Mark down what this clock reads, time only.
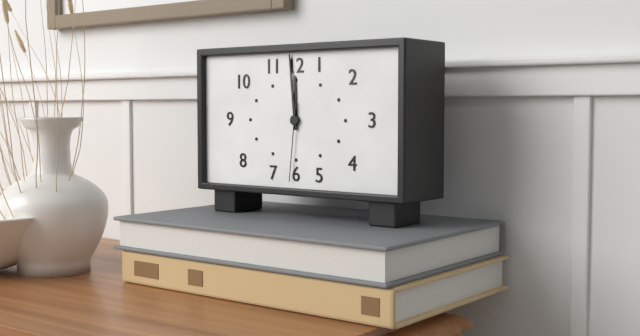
11:59:31
